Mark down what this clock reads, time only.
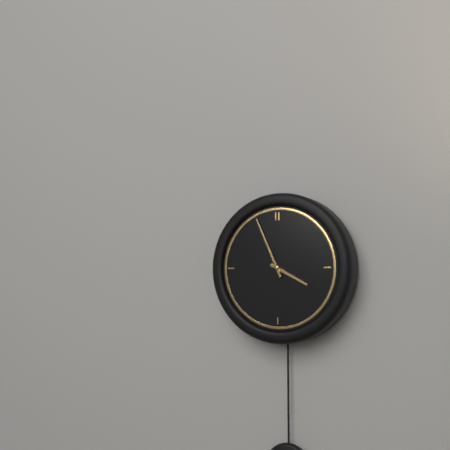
3:56
